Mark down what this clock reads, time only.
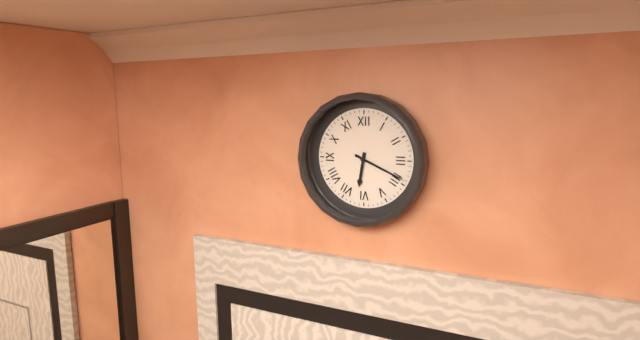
6:19
